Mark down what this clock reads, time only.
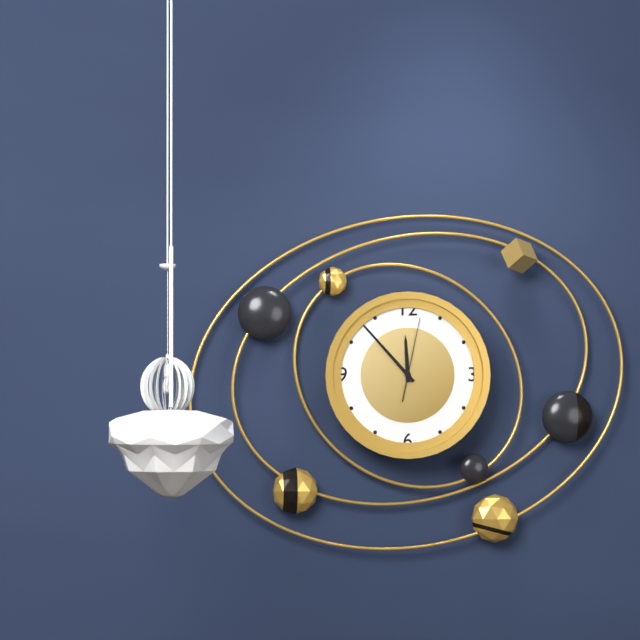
11:53:02
